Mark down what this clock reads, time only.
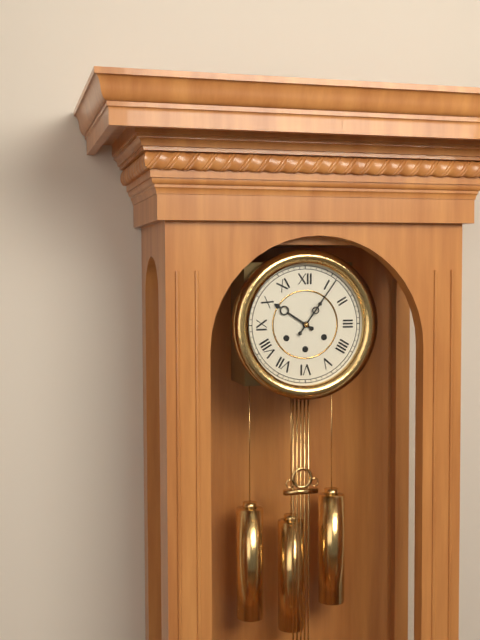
10:06
